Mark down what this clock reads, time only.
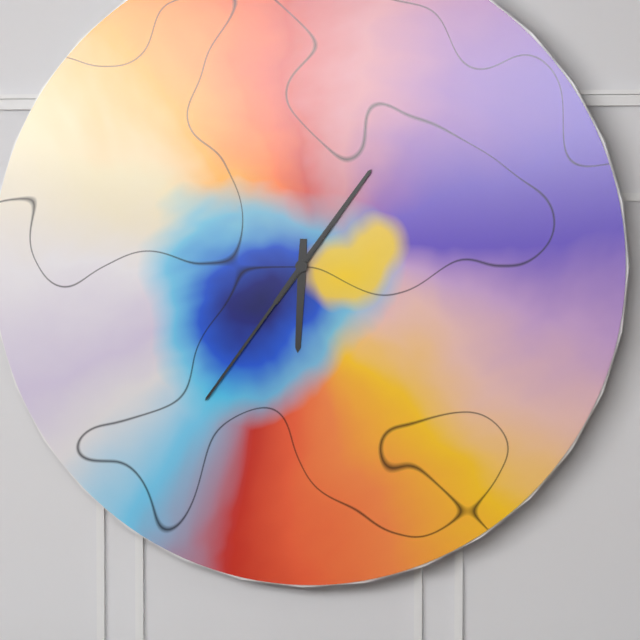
6:06:36
